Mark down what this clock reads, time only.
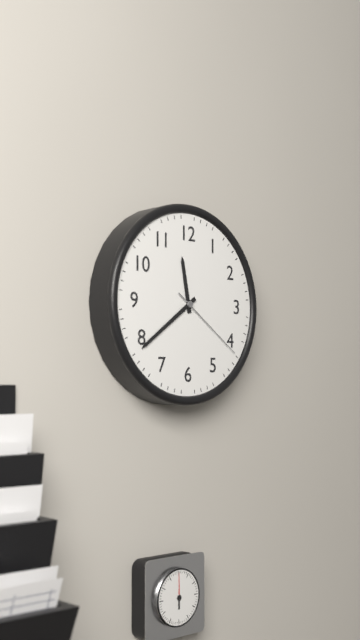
11:39:21
